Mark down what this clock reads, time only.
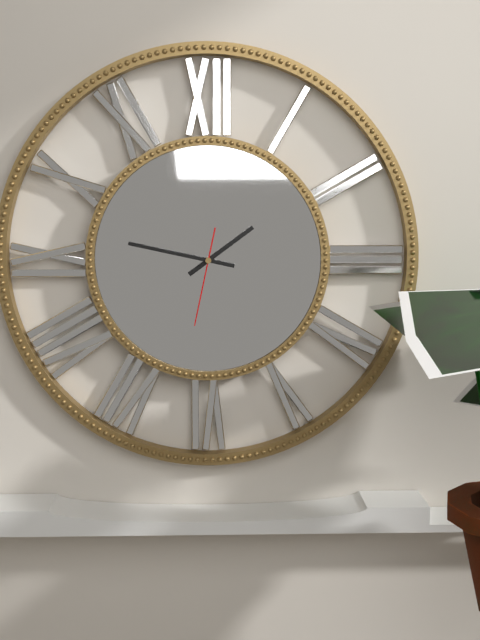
1:47:32
